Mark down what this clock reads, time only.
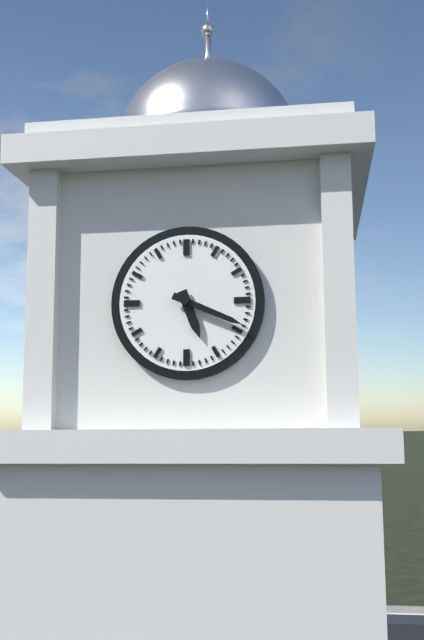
5:19
